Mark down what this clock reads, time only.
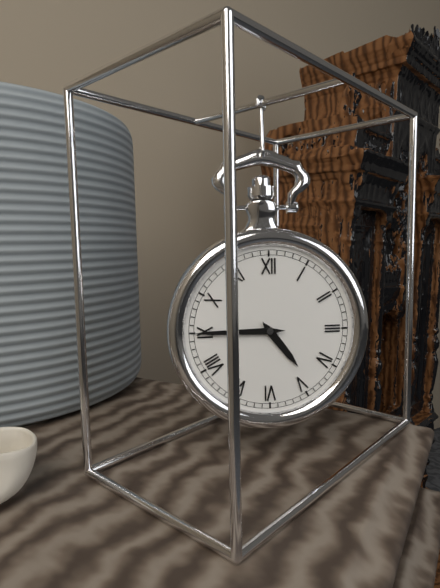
4:45
